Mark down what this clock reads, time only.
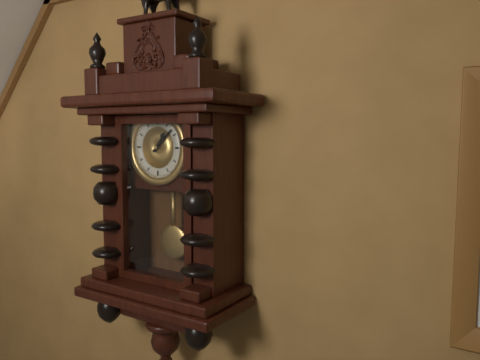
1:08
